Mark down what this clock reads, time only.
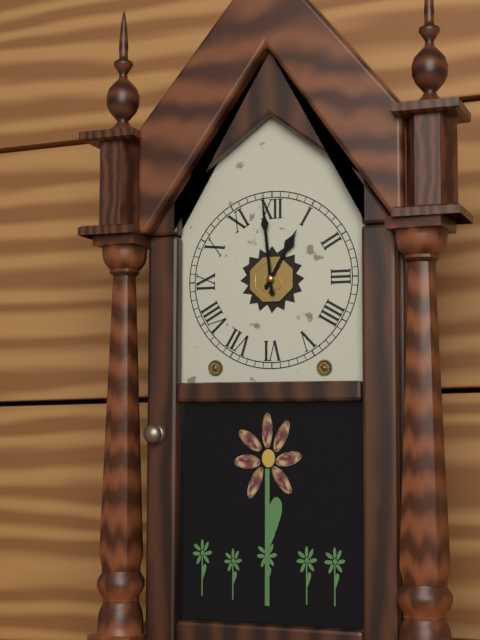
12:59
